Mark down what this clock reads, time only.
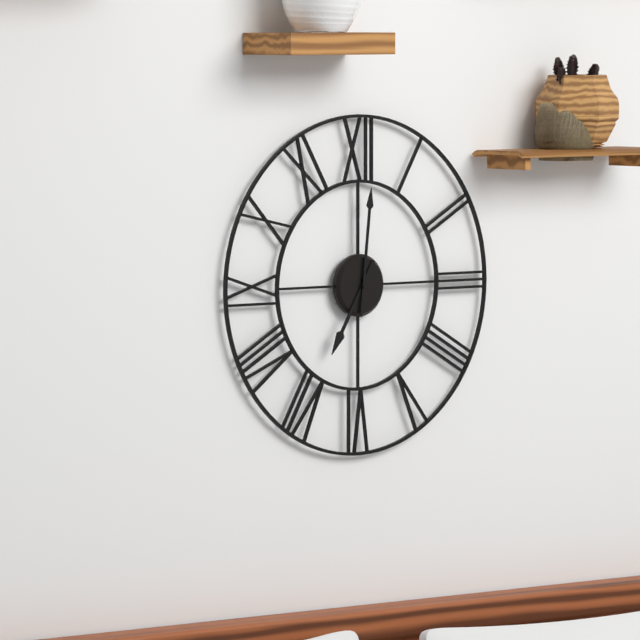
7:01
